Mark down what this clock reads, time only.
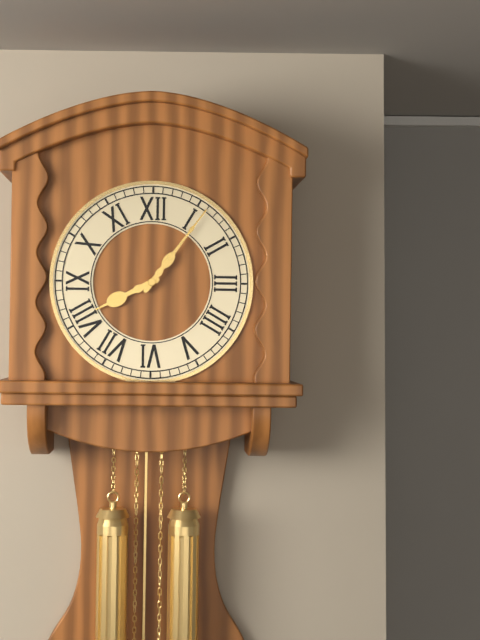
8:06
